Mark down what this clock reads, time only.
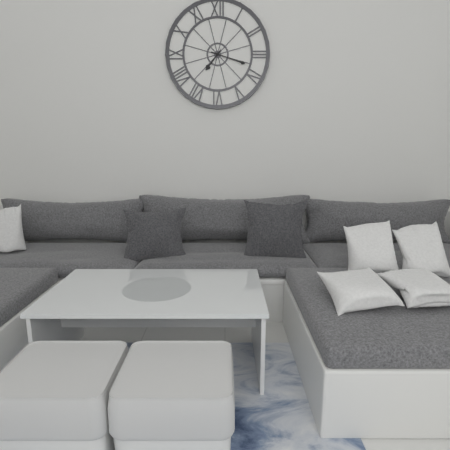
7:18
